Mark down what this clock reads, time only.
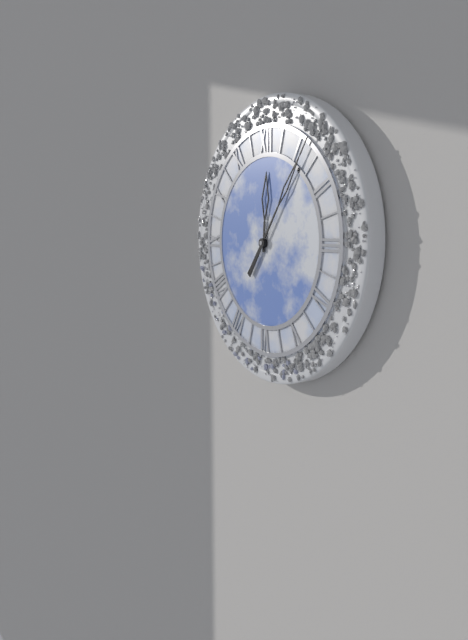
12:06
